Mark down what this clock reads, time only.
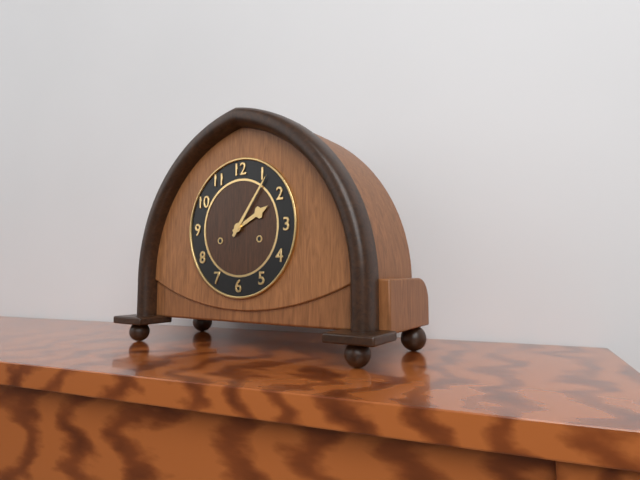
2:06
